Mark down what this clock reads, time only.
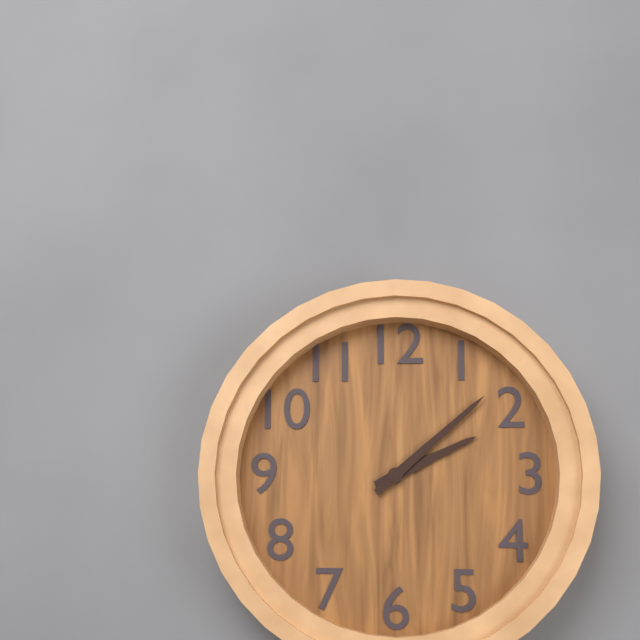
2:08
